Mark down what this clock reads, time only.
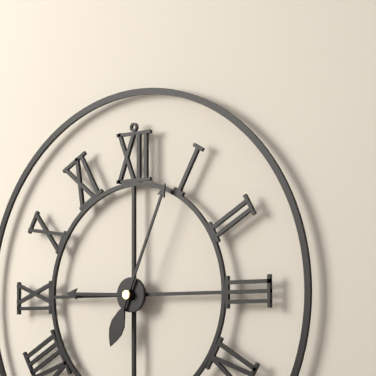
9:04
